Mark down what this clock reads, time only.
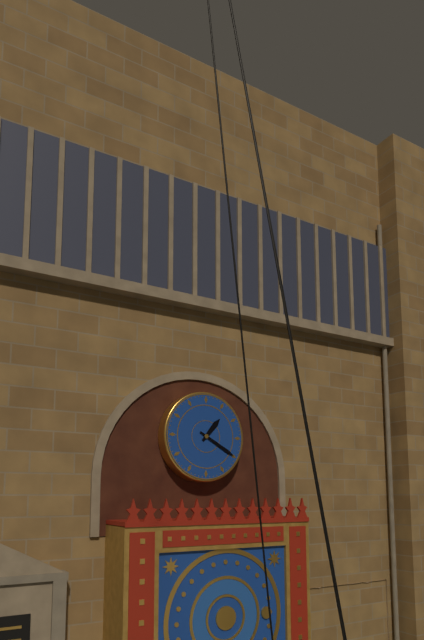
1:20
